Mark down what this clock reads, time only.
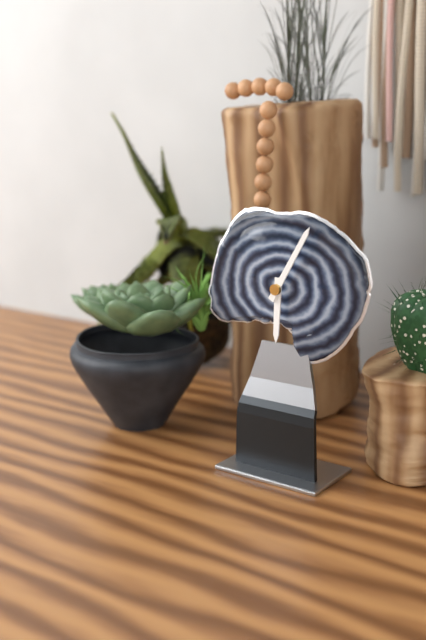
6:05
